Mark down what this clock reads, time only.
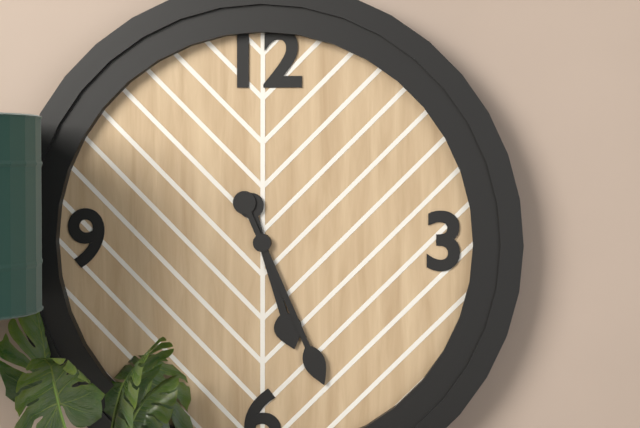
5:26
